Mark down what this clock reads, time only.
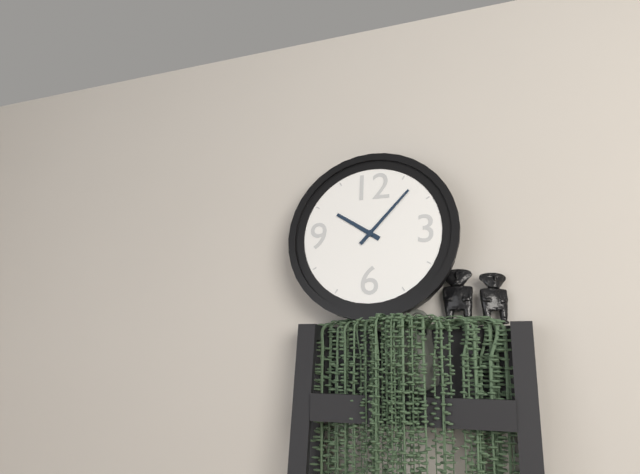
10:07
